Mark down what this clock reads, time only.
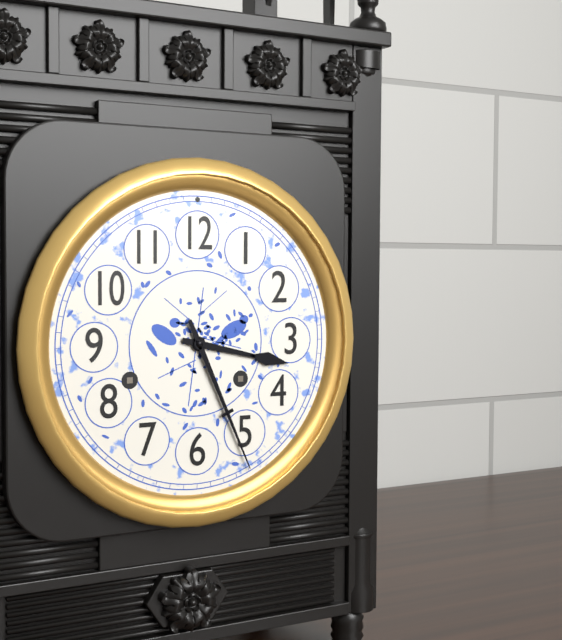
3:26
